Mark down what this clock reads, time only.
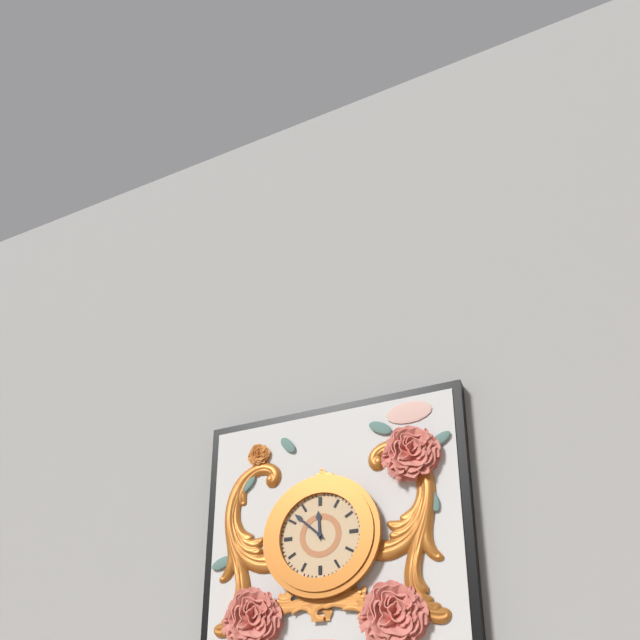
11:52
